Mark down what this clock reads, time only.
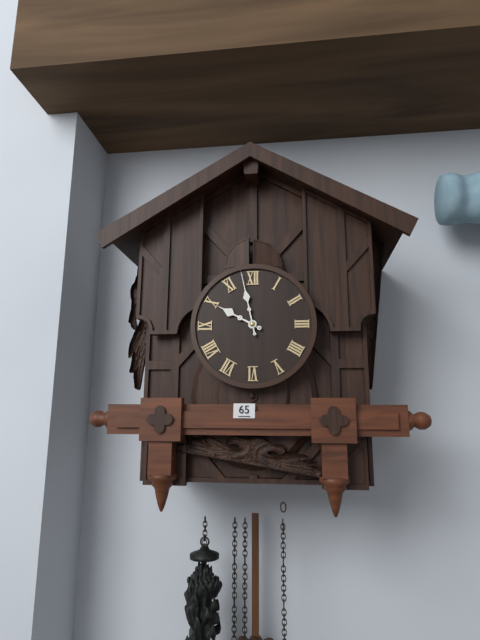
9:58
